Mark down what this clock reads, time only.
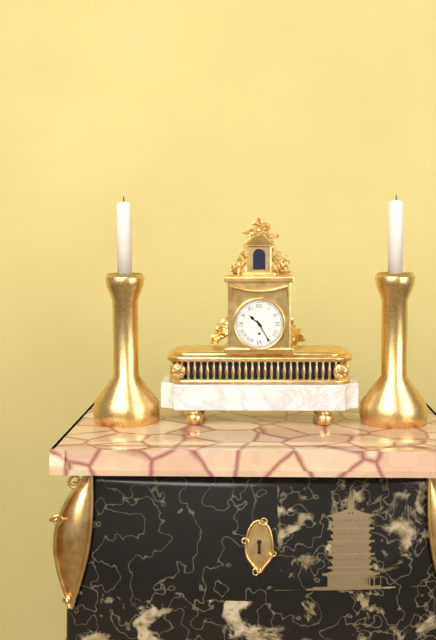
10:25
